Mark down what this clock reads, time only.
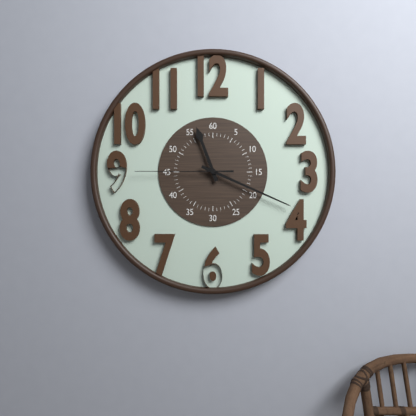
11:19:45
